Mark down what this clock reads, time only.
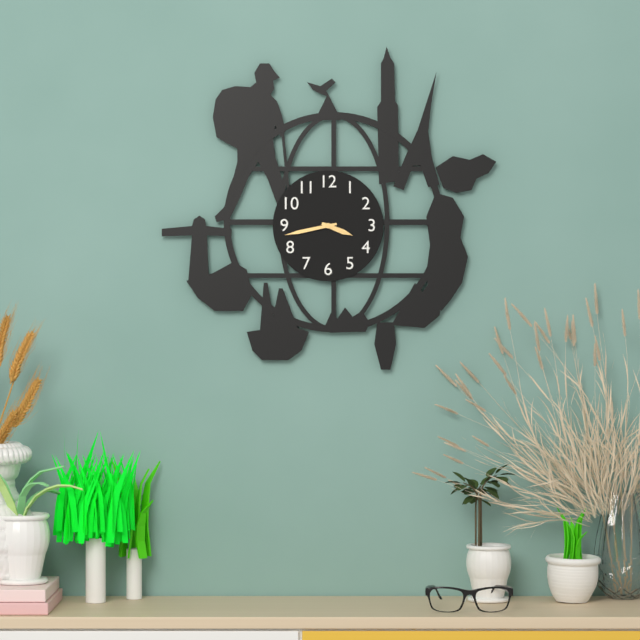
3:43
